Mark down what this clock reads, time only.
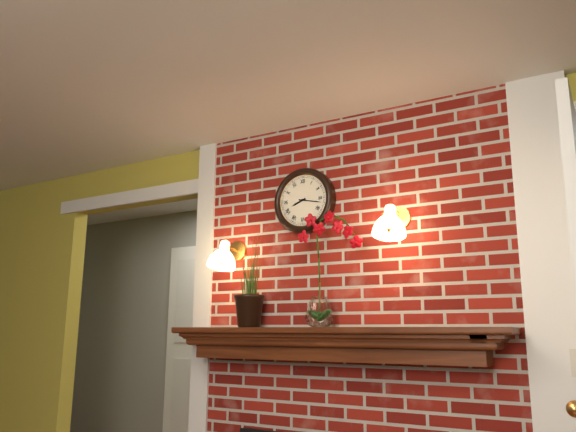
8:17
